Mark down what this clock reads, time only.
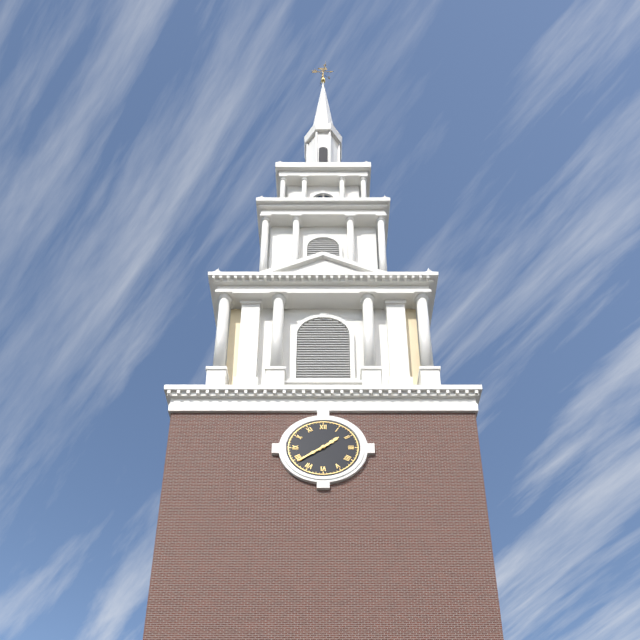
1:39
